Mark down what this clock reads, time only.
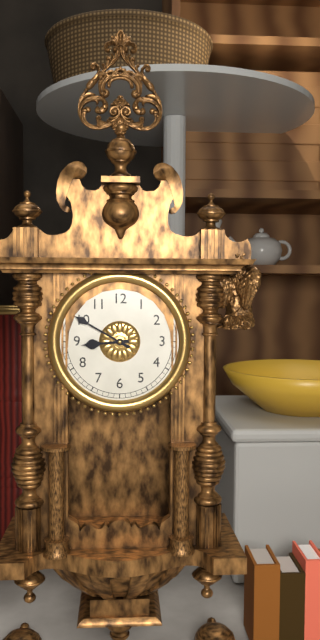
8:50
